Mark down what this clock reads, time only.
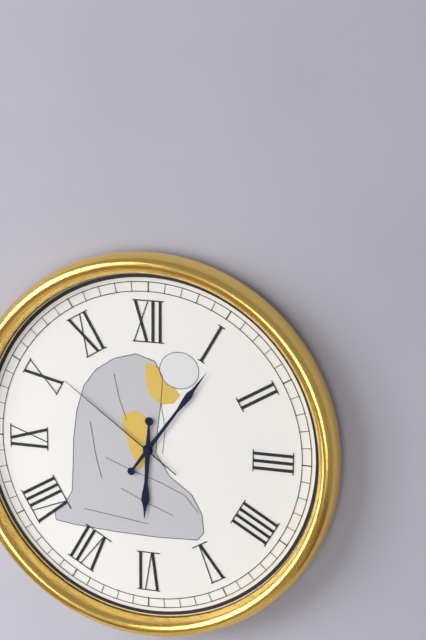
6:06:51
